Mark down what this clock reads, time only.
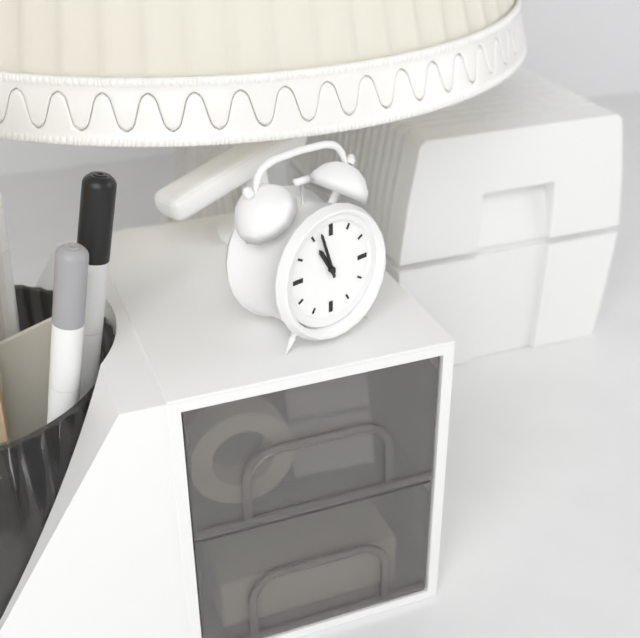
10:57
